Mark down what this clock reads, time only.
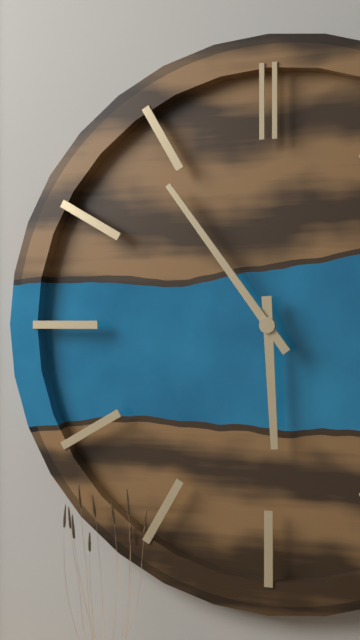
5:54
